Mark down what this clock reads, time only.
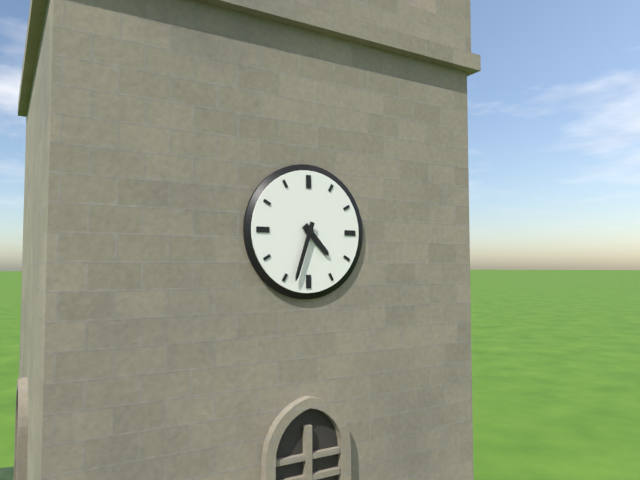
4:33
